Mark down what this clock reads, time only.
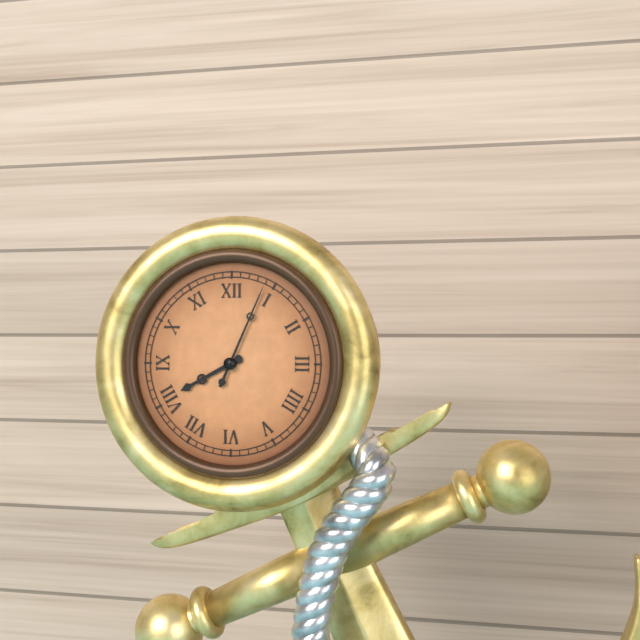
8:04
